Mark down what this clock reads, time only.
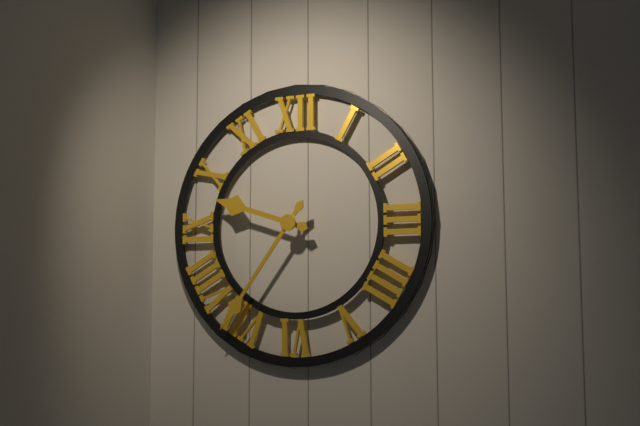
9:36
